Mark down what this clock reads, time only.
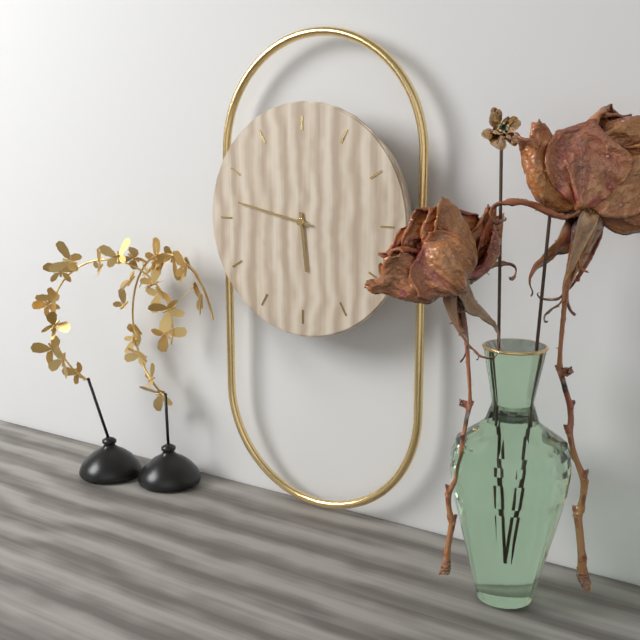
5:47
